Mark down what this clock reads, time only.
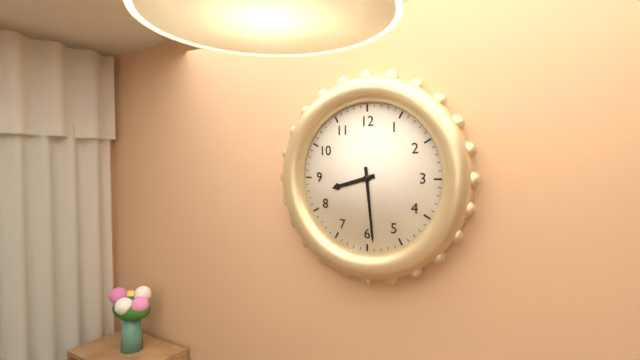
8:29
